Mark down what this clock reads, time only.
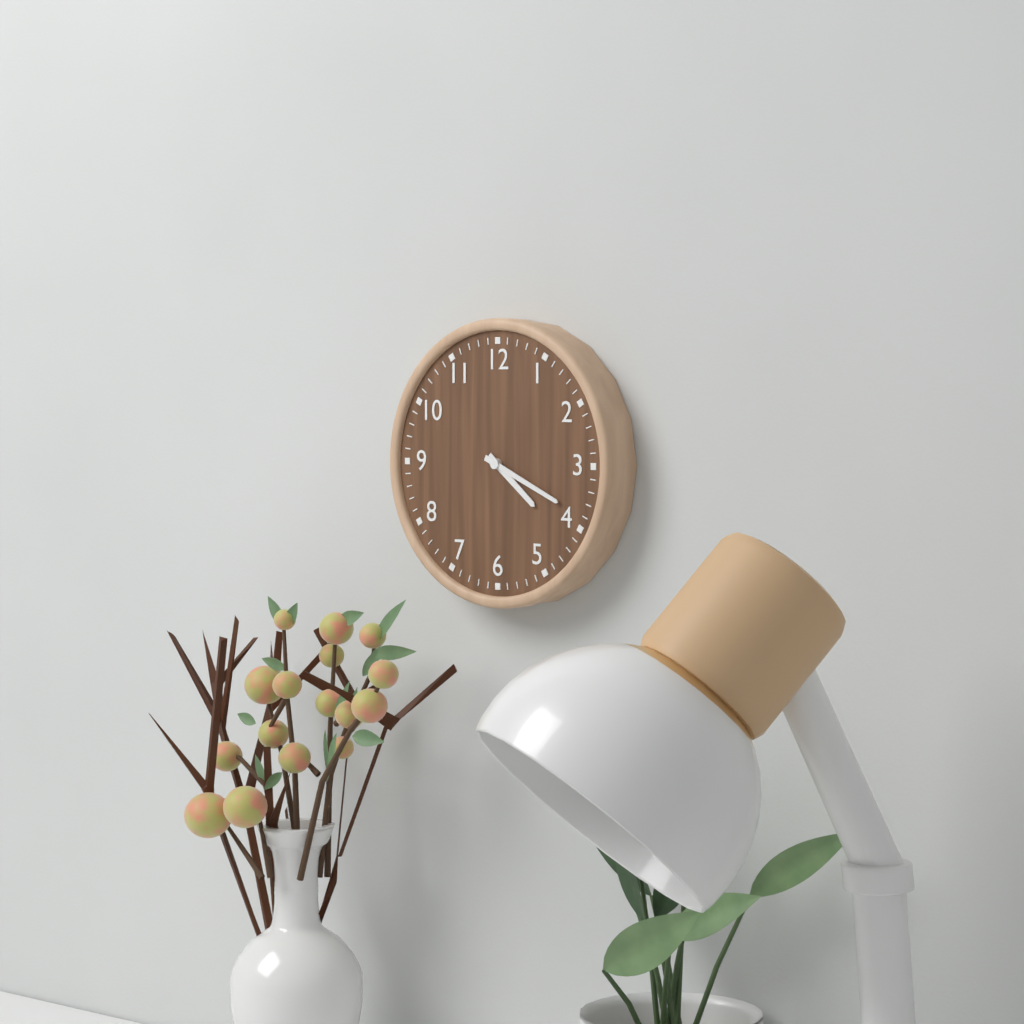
4:19
